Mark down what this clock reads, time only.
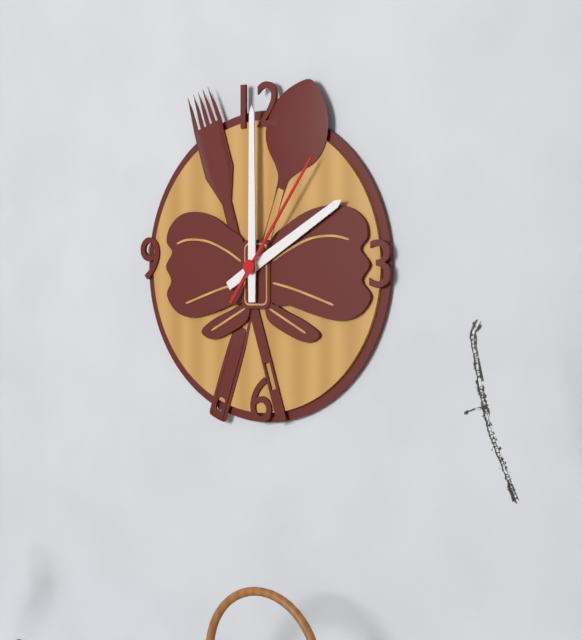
2:00:06
